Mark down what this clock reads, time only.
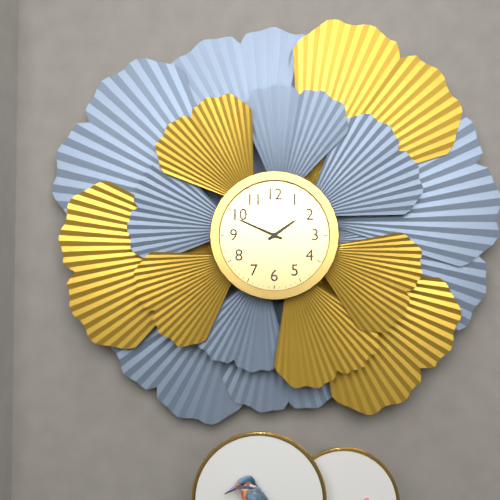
1:49
